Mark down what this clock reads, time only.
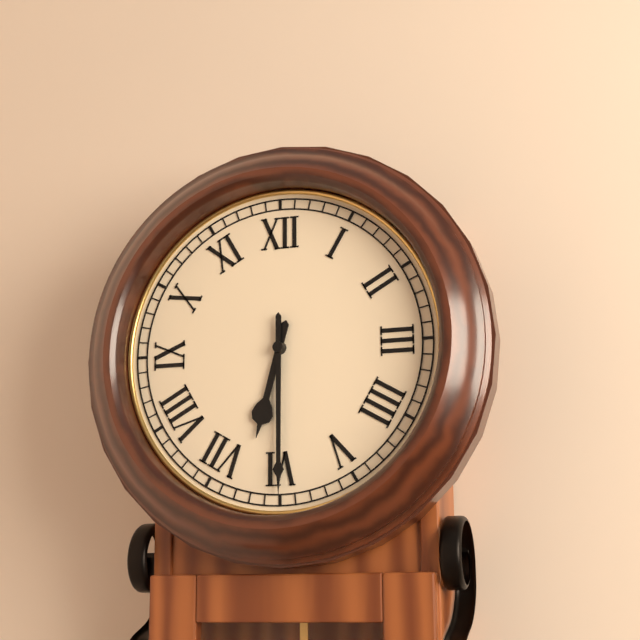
6:30
